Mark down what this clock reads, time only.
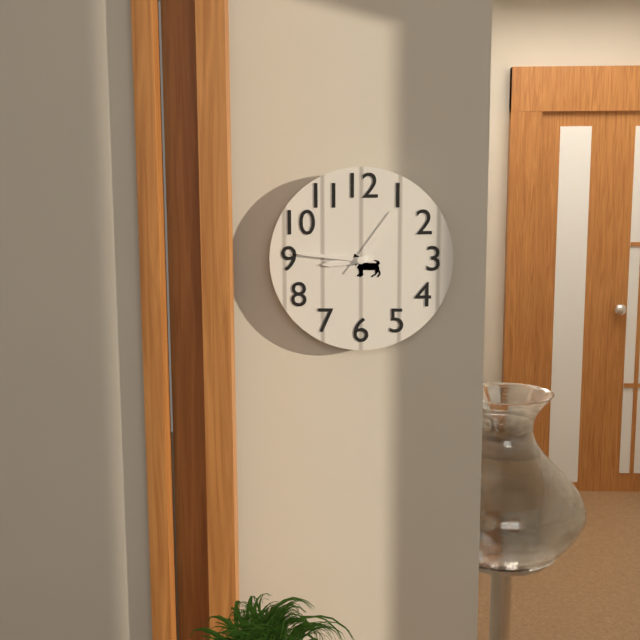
8:46:06
